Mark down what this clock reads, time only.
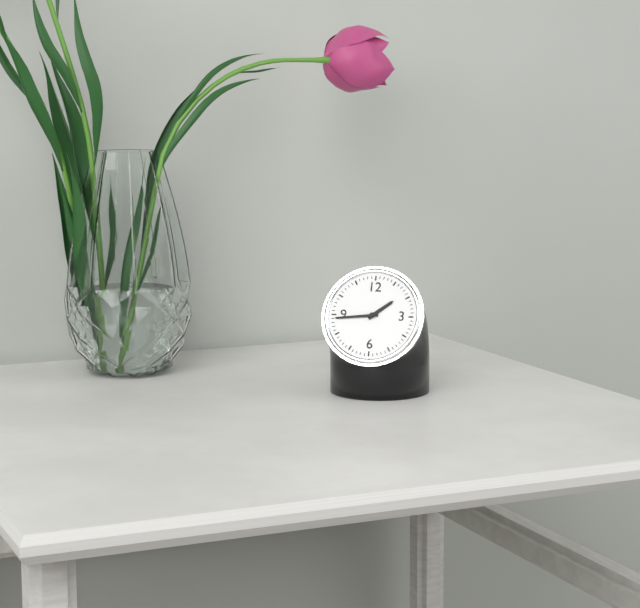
1:44
